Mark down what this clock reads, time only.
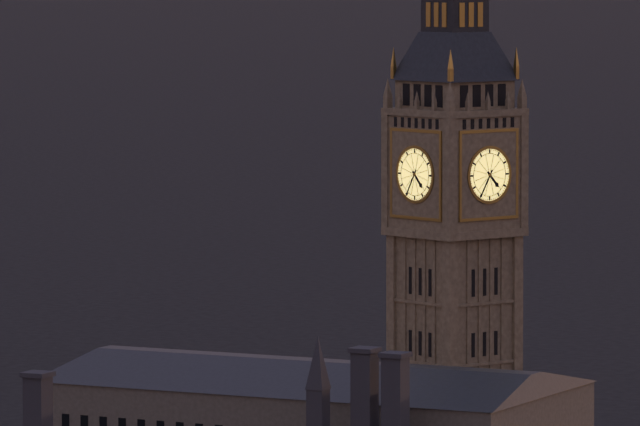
4:35
